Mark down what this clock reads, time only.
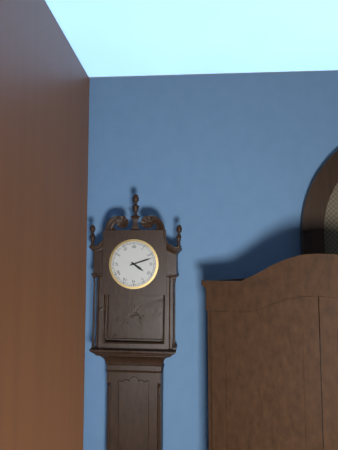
4:12
